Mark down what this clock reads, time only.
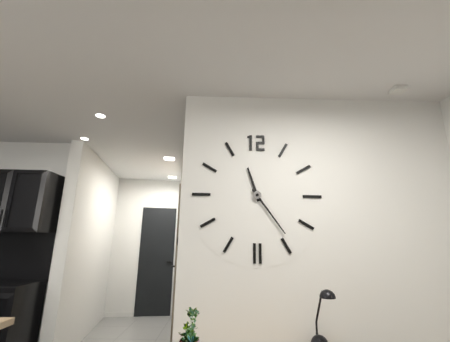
11:24
